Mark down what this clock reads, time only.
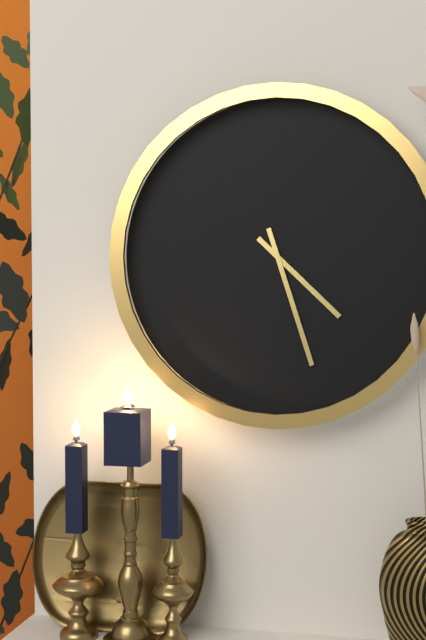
4:27
